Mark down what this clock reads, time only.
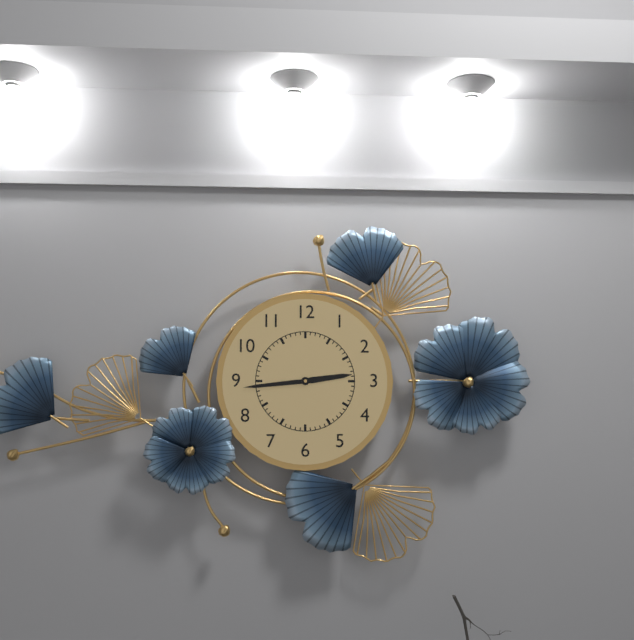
2:44
